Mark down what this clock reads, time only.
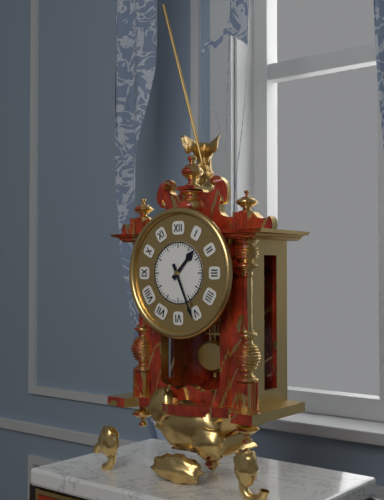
1:26
